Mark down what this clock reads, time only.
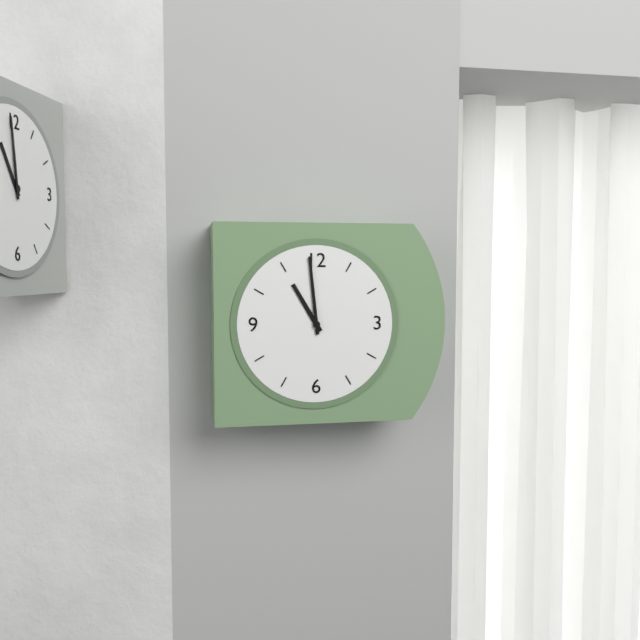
10:59
